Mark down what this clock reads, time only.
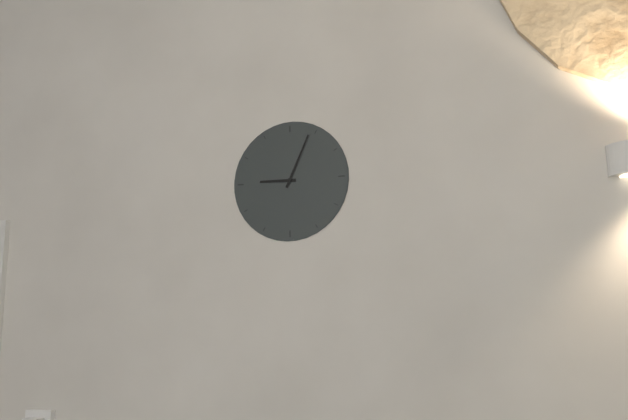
9:04
